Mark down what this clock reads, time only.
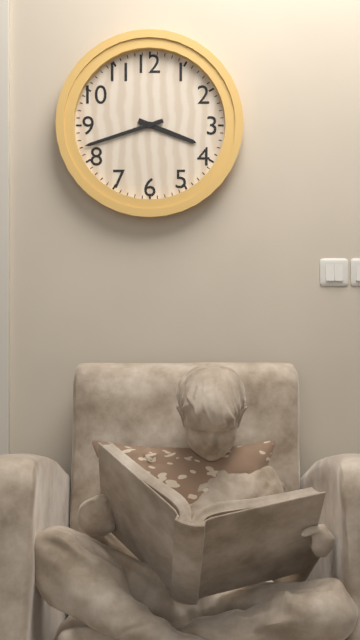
3:42
